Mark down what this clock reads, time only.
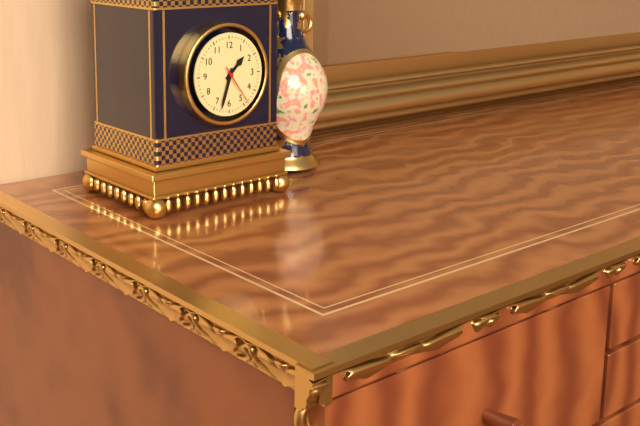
1:33
